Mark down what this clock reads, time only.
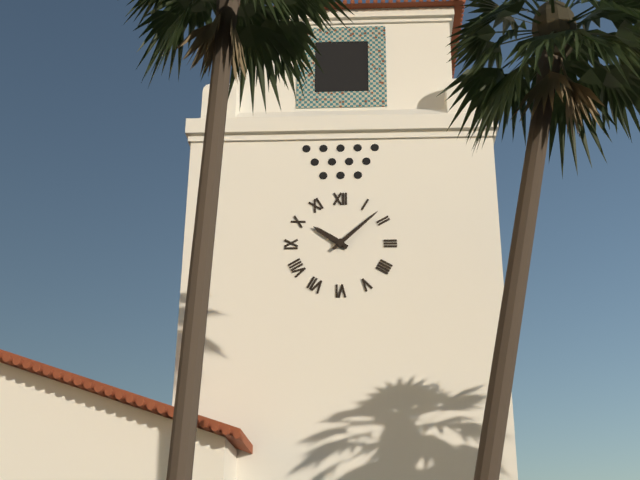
10:08
